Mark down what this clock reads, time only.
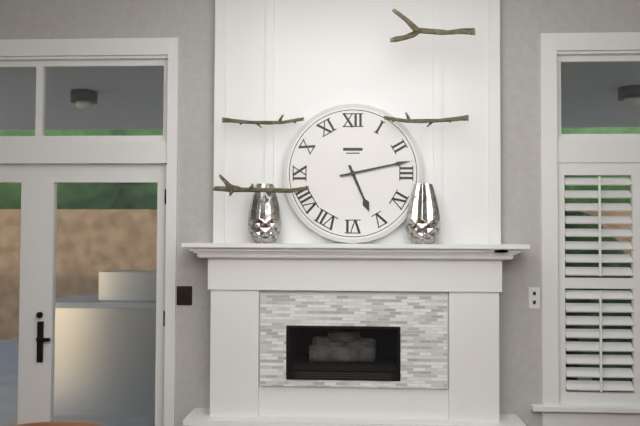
5:13
